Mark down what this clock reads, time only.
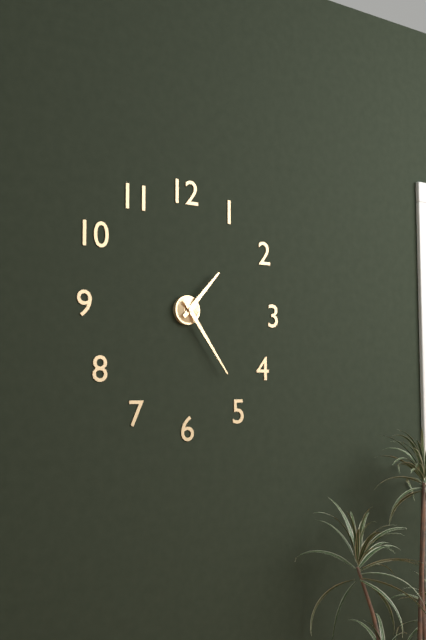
1:24
